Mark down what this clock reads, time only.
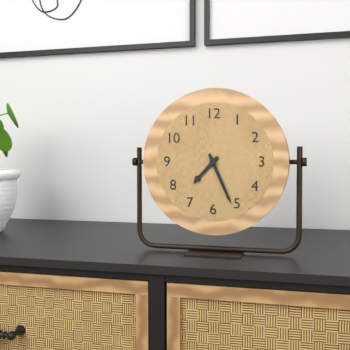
7:26
